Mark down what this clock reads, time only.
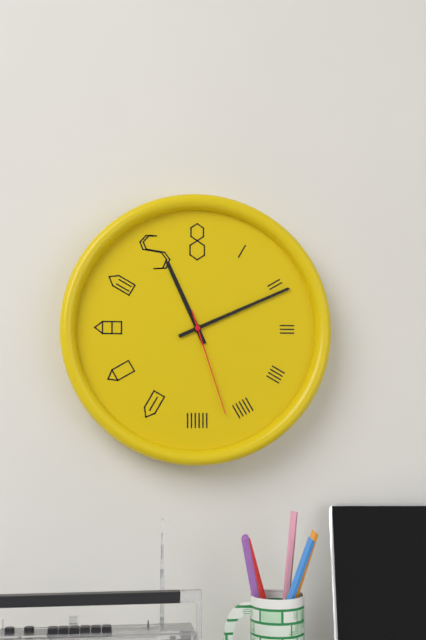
11:11:27
